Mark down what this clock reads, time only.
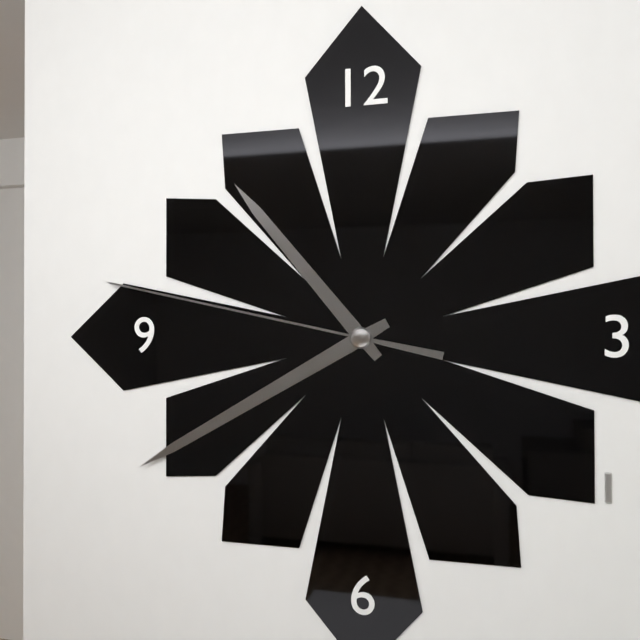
10:40:47
